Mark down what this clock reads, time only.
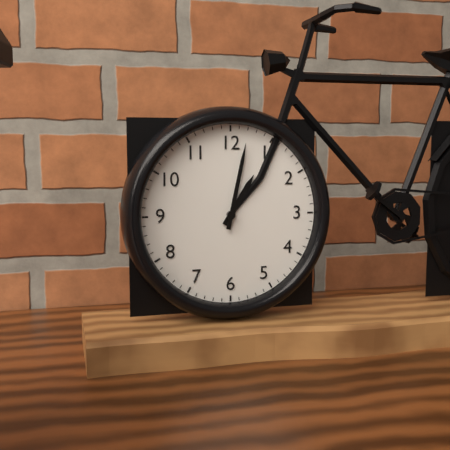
1:02
